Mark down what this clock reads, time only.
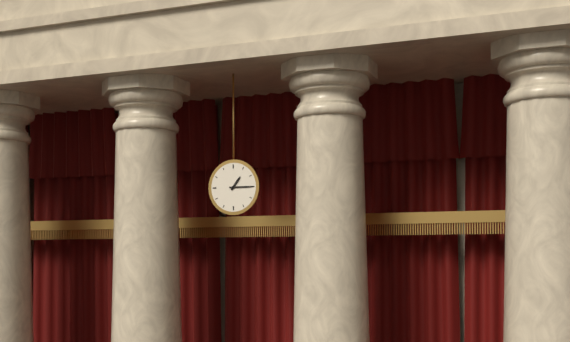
1:15
